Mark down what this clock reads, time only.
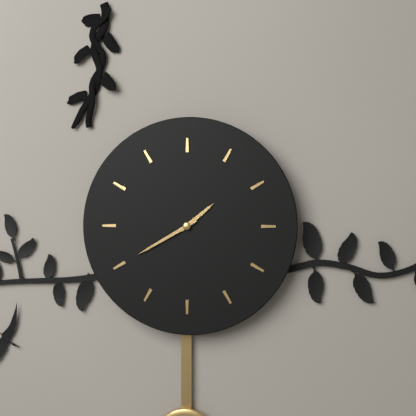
1:40
